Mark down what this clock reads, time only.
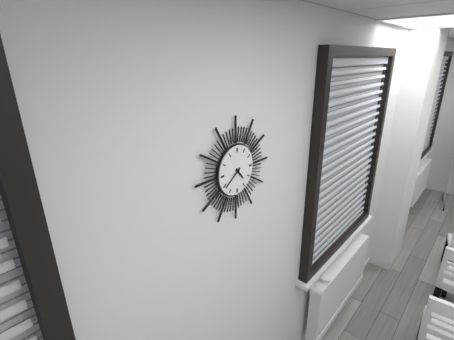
4:39
